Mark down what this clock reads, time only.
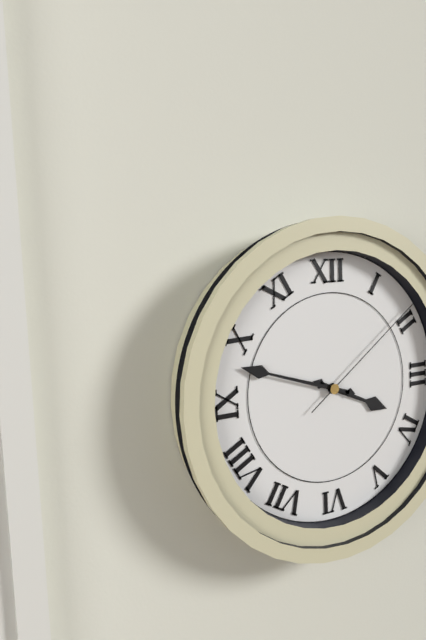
3:48:09
